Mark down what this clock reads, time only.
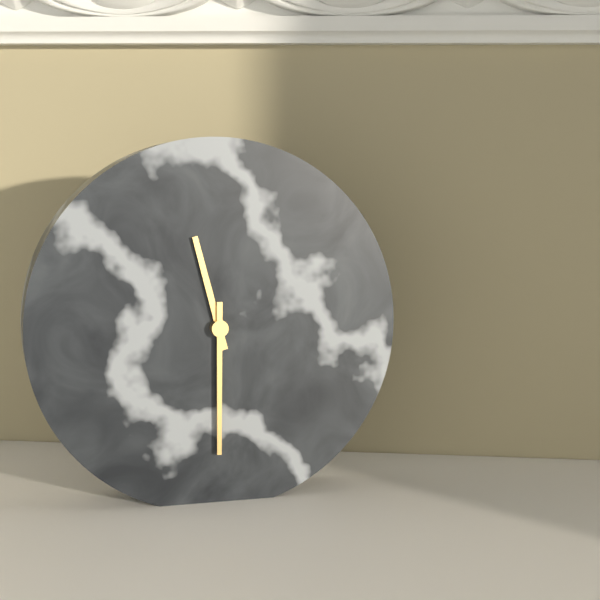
11:30
